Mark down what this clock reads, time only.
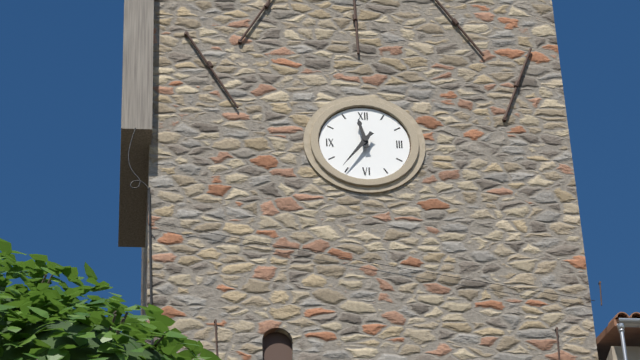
11:36
